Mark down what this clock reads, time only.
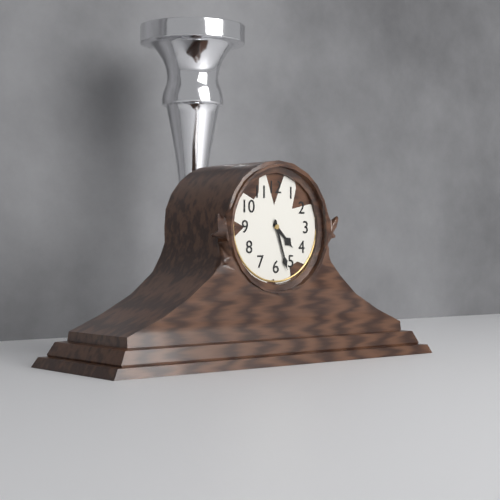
4:27
